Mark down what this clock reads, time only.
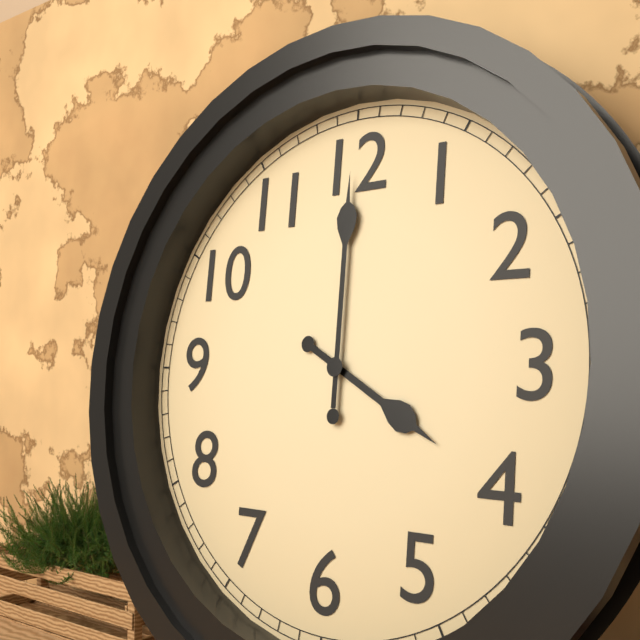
4:00
